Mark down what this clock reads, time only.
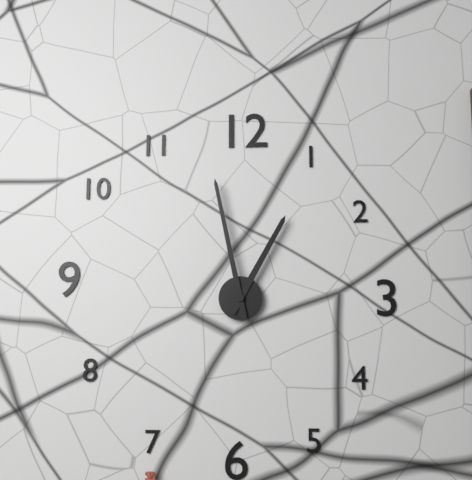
12:58
